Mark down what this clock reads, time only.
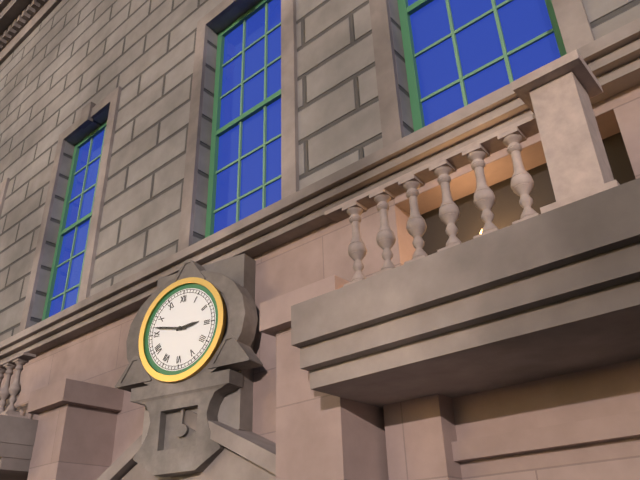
2:47
